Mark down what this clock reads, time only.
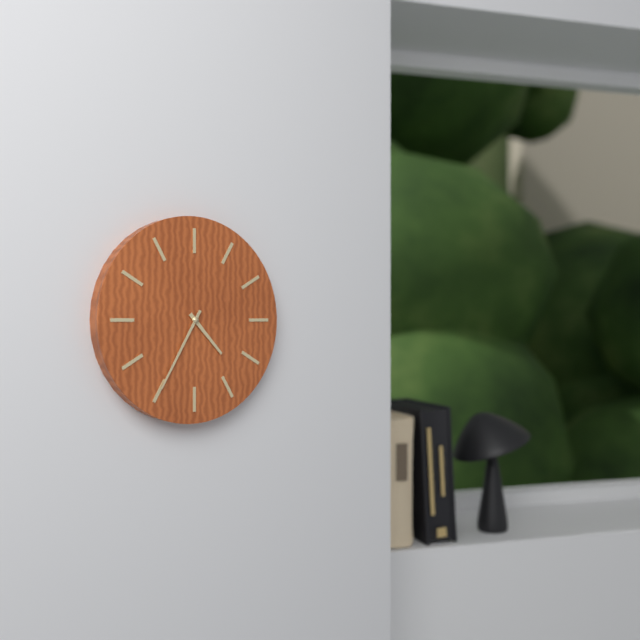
4:35
